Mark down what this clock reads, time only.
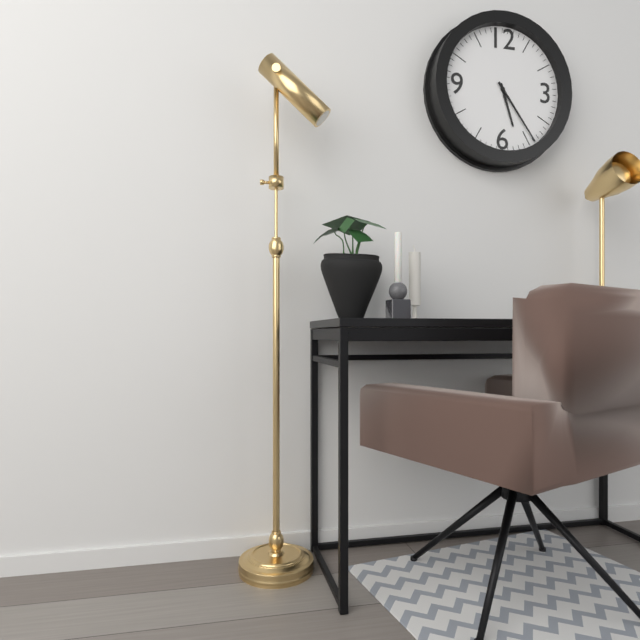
5:24
